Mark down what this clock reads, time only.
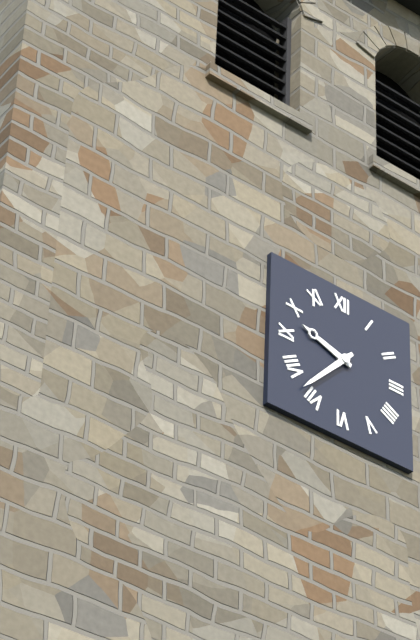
9:37
